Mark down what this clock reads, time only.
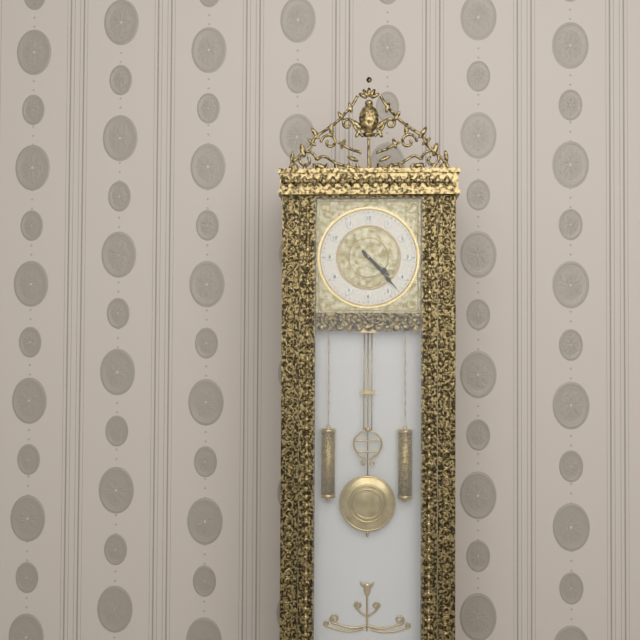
4:23
